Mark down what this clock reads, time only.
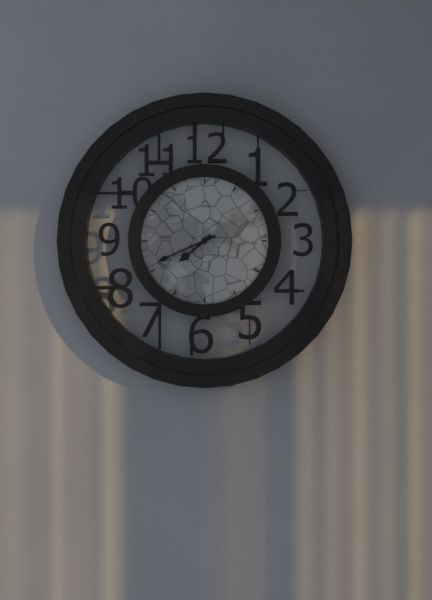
7:41
